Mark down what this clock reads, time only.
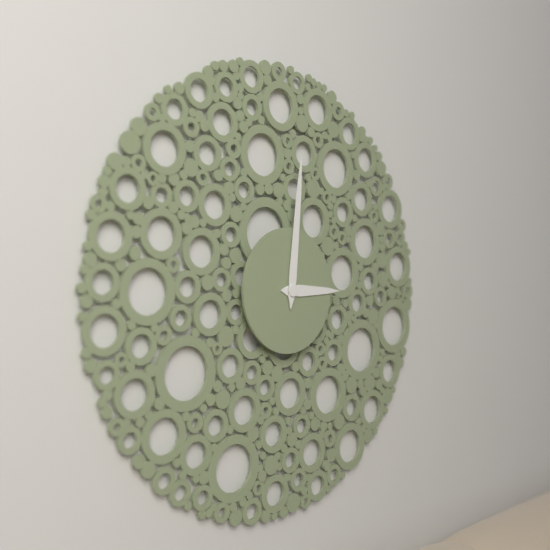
3:01
